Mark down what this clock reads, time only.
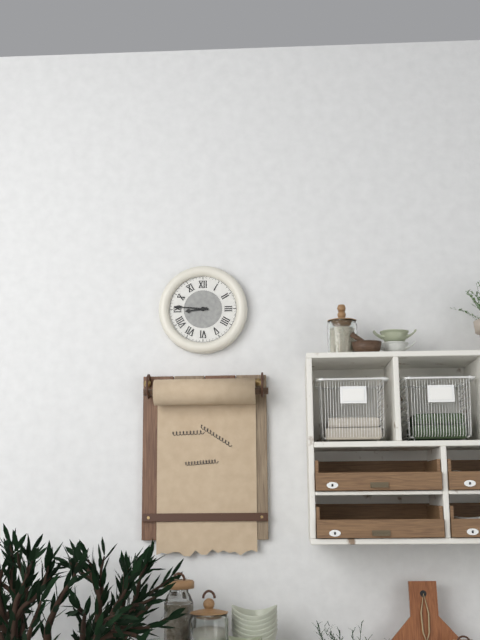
8:46
